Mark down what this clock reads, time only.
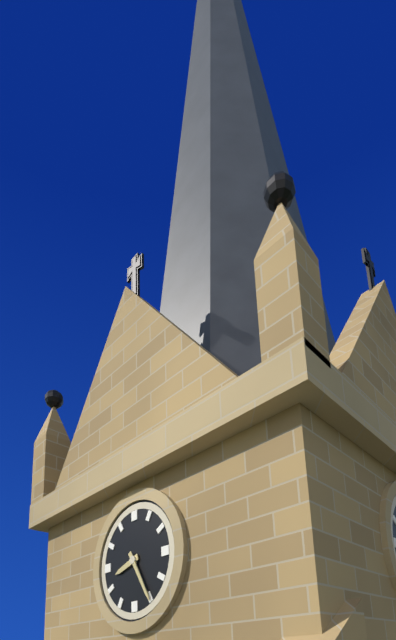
8:25
